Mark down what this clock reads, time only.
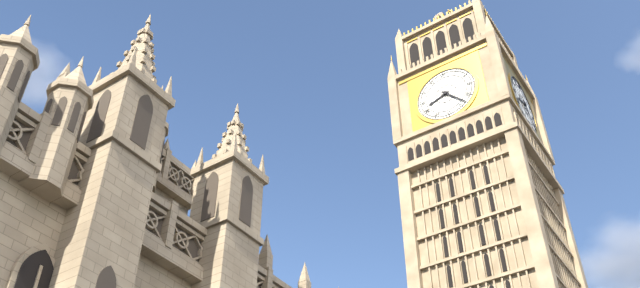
8:23
